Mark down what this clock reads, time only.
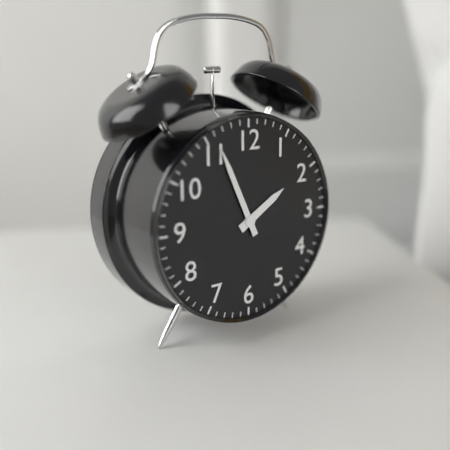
1:56
